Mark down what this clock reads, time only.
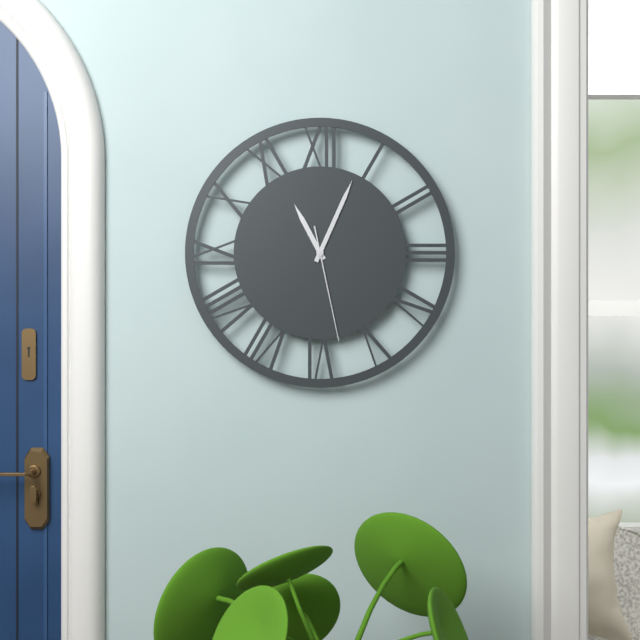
11:04:28
